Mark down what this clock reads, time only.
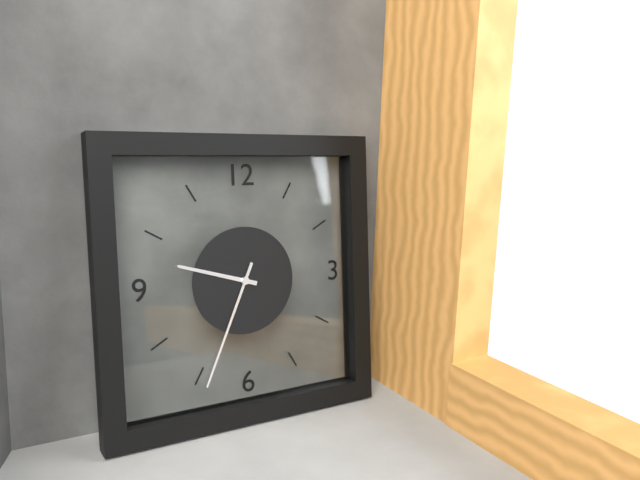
9:34
